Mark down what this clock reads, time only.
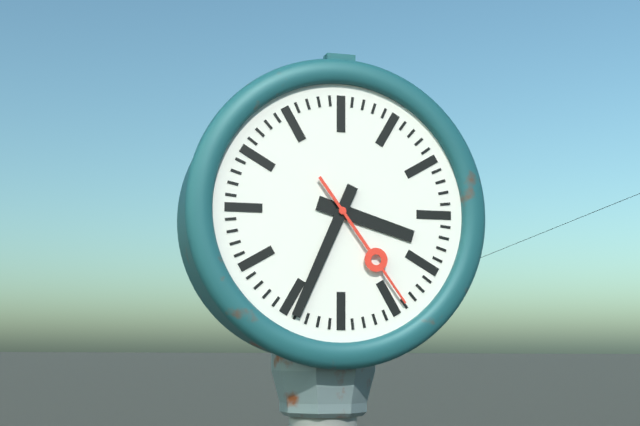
3:34:24
